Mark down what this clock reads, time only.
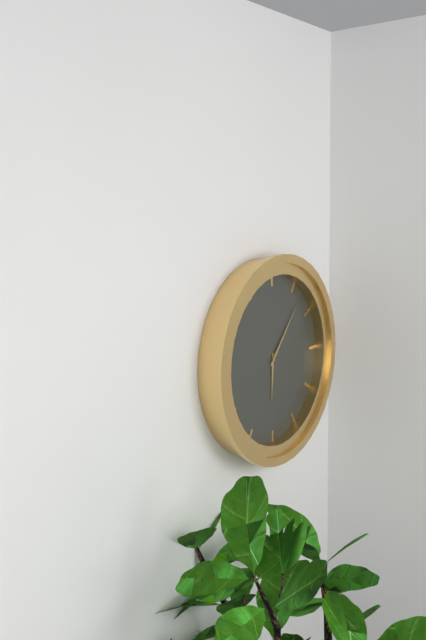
6:07
